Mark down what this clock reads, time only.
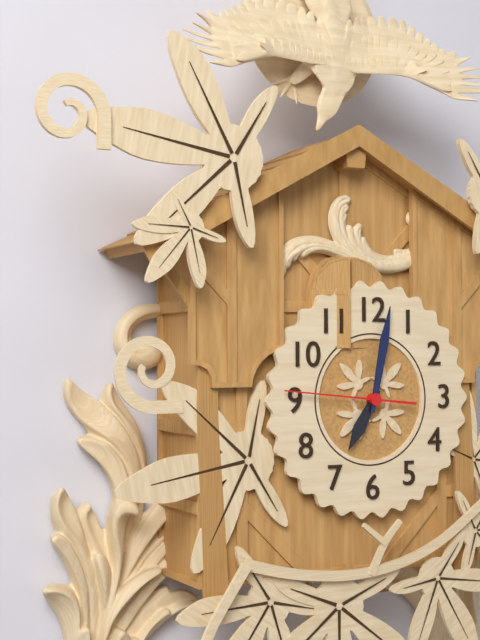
7:02:46
